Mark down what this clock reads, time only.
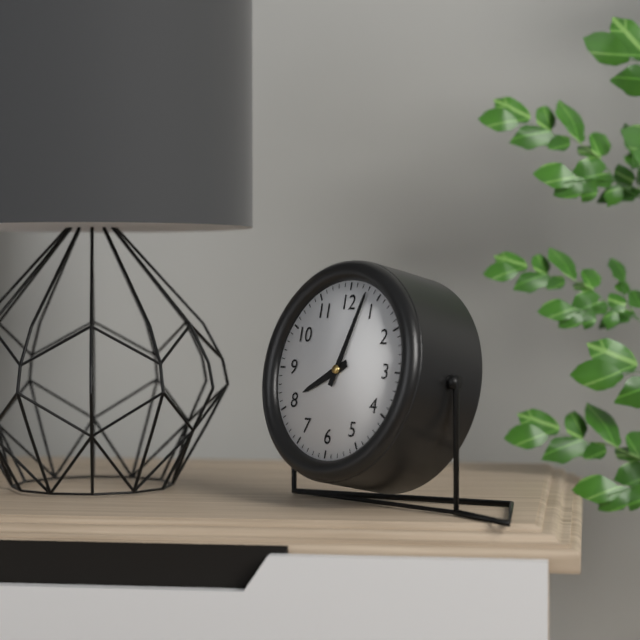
8:03
